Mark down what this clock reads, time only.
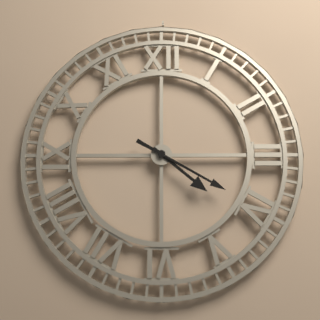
4:20
